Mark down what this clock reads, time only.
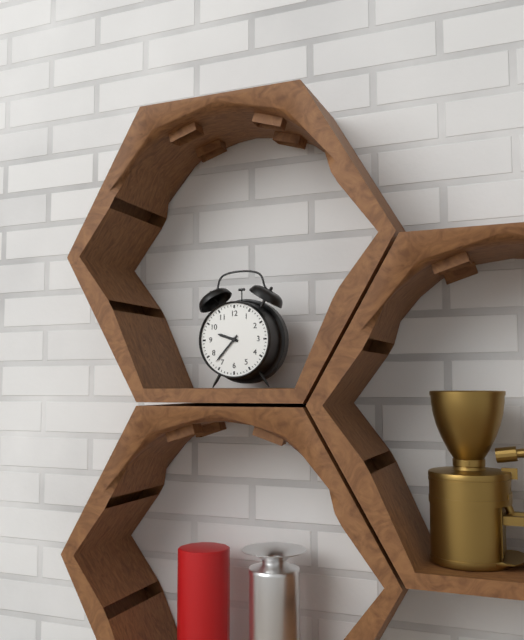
9:37
